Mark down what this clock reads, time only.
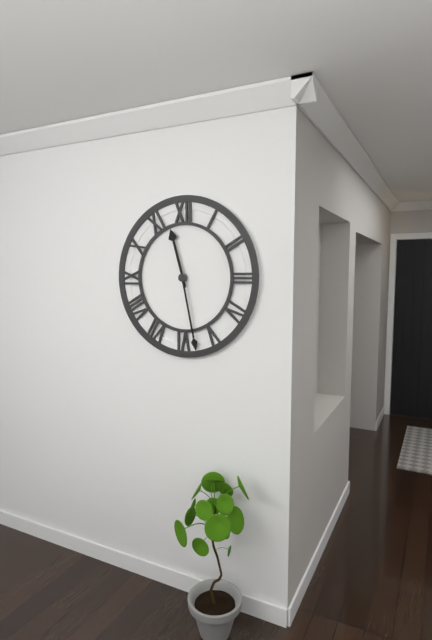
11:28
